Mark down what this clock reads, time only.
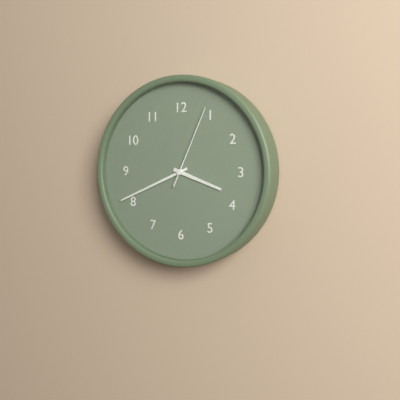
3:41:04
